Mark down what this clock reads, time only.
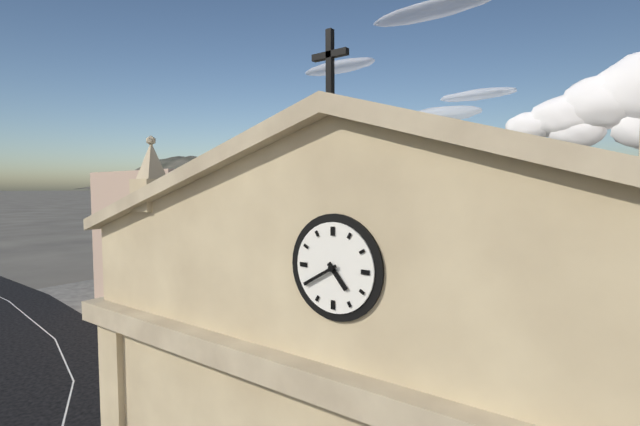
4:40
